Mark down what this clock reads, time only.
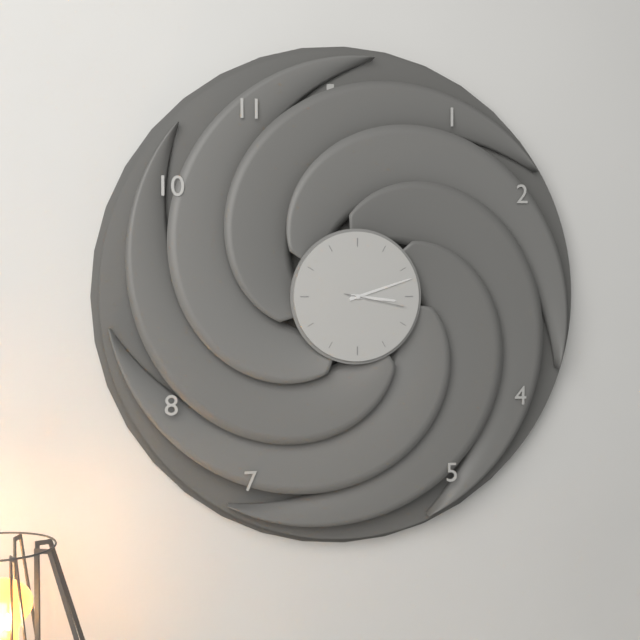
3:12:17
